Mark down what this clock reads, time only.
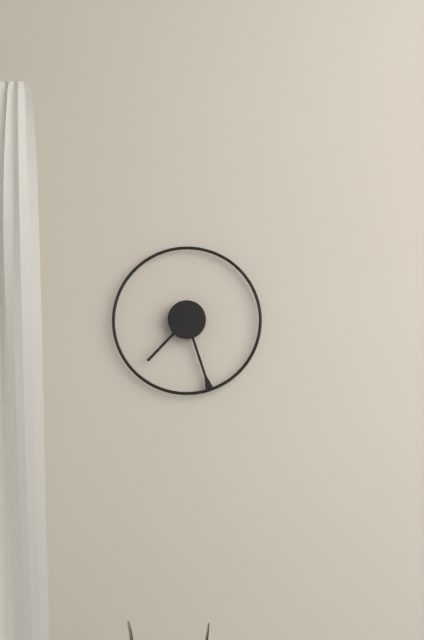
7:27
